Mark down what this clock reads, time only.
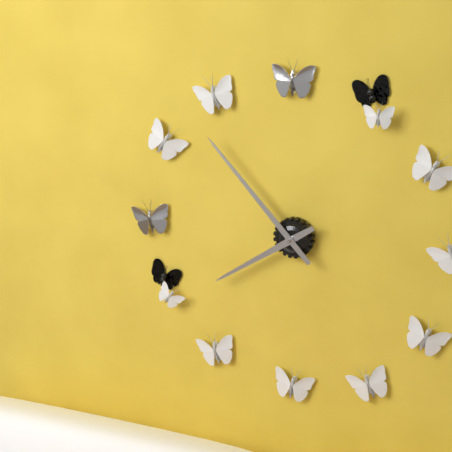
7:53
